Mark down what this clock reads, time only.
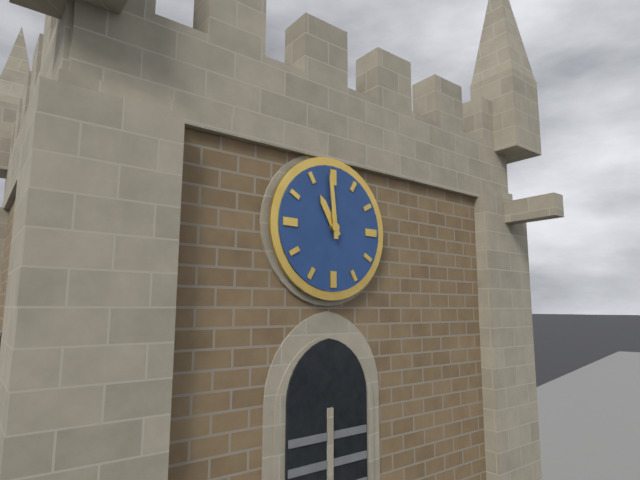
10:59
